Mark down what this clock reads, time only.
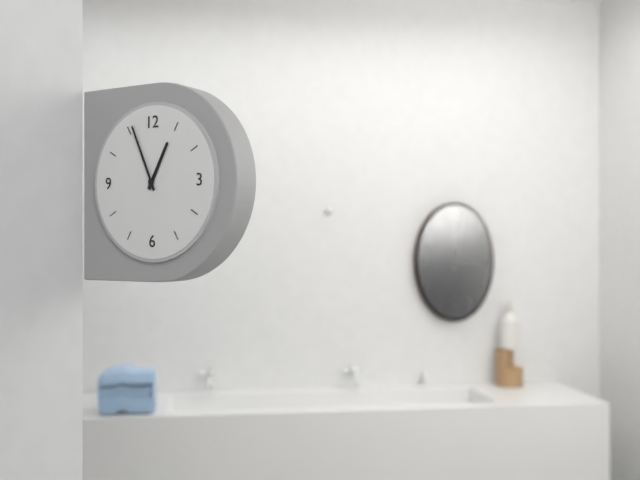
12:56
